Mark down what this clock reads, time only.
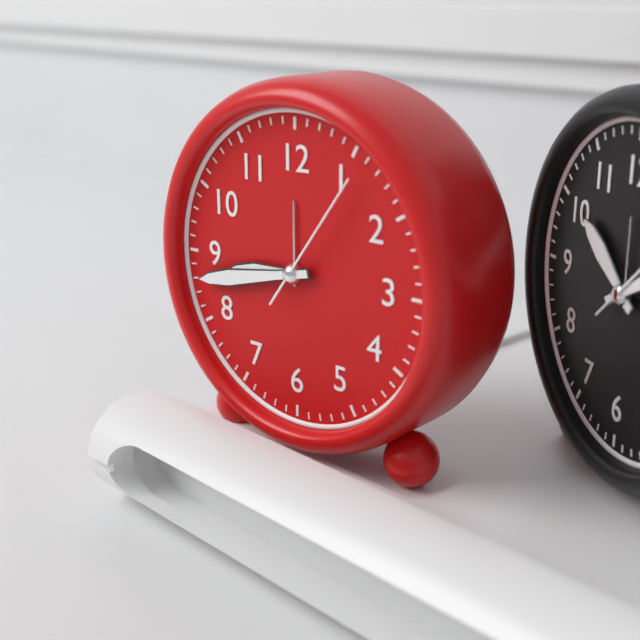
8:43:06
